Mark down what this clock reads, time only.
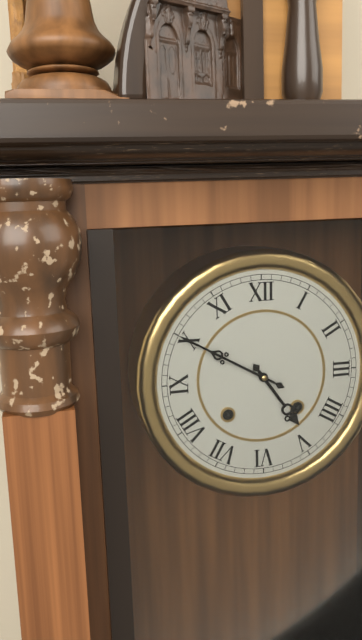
4:50
